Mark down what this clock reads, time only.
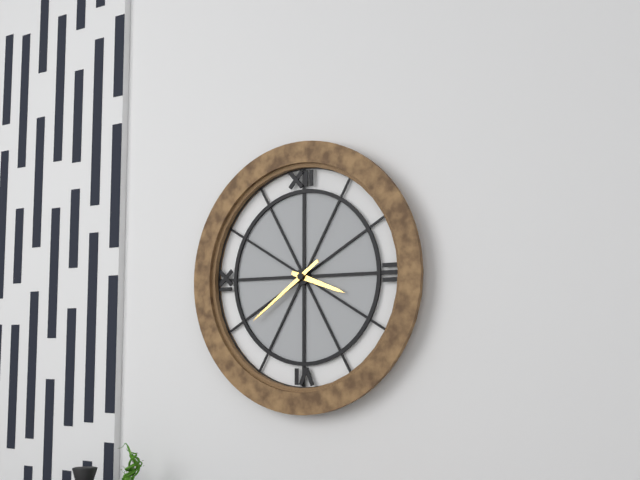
3:39
